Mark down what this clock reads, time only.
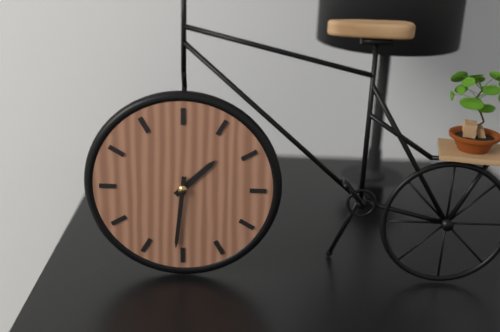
1:31
